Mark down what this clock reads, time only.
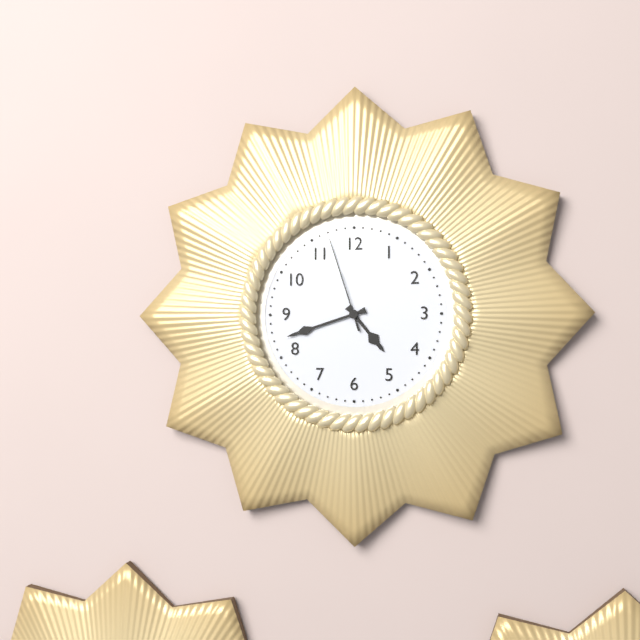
4:42:57
